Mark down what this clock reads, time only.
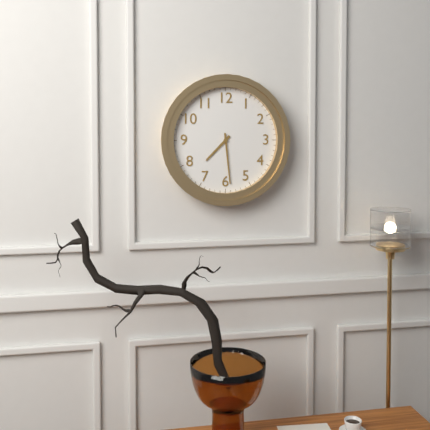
7:29
